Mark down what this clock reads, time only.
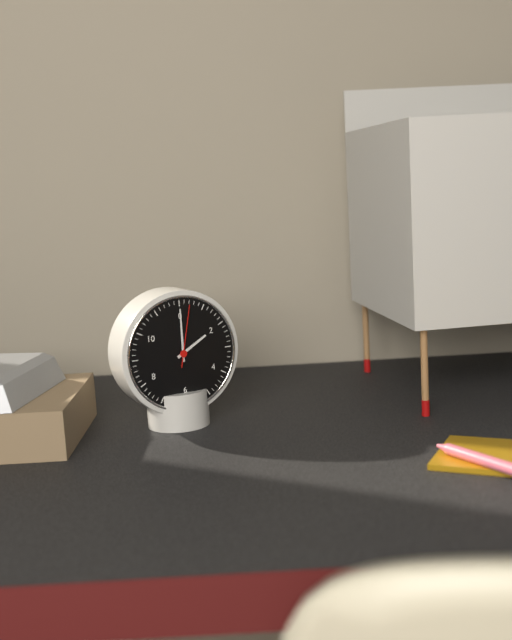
2:00:02
